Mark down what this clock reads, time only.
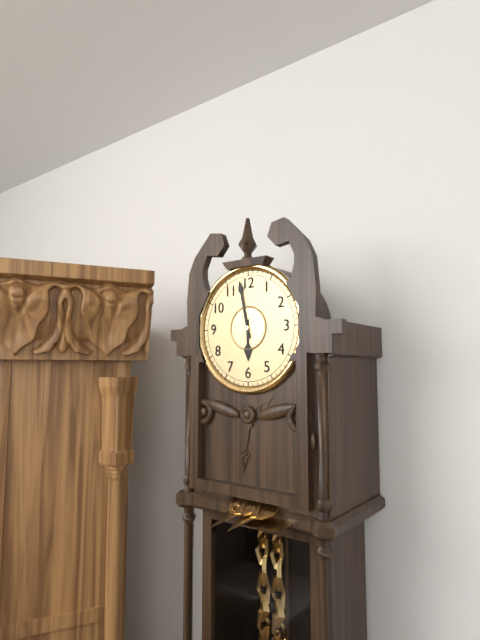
5:58
